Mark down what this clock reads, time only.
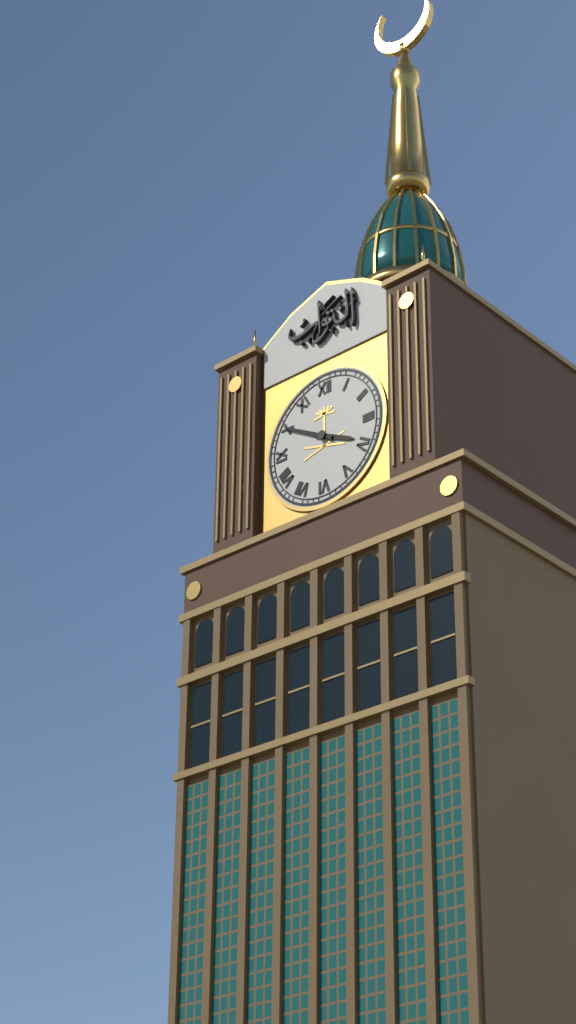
3:50
